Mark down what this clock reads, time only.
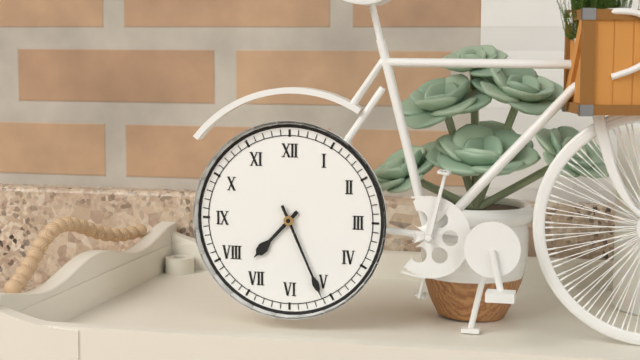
7:26
